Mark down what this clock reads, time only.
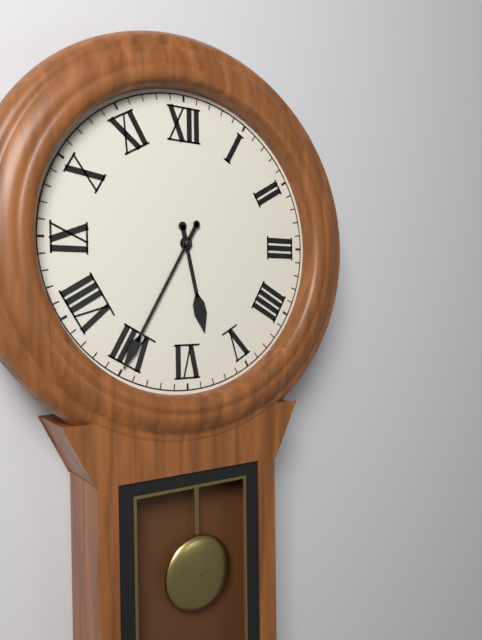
5:35
